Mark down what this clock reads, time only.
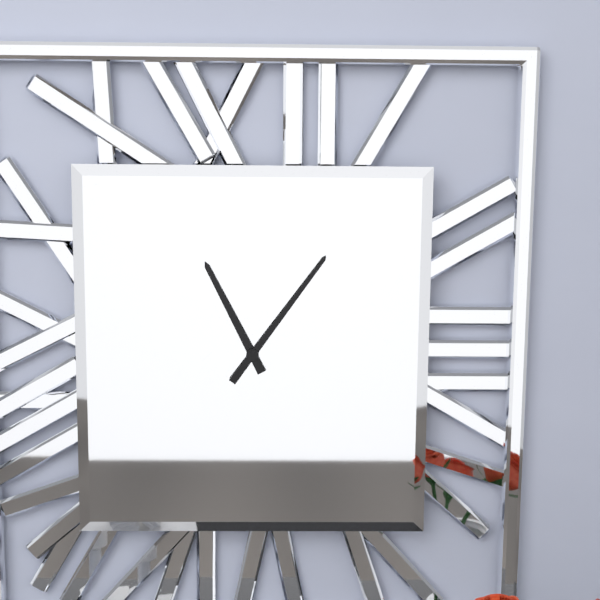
11:06
